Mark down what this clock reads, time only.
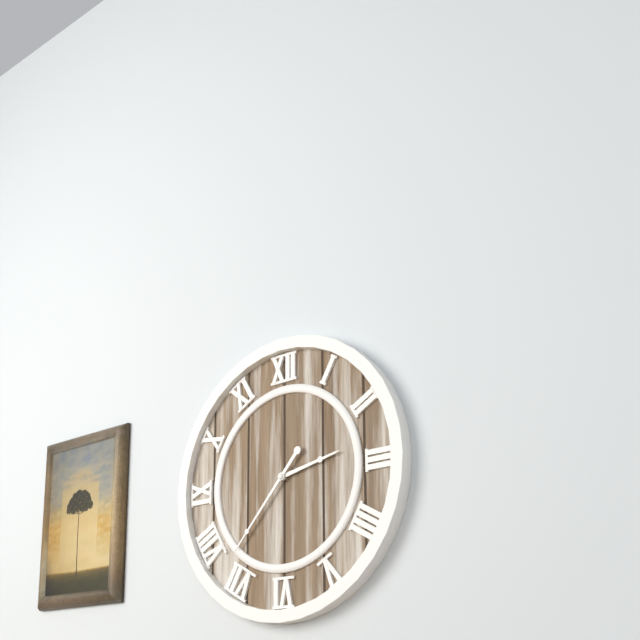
2:37
